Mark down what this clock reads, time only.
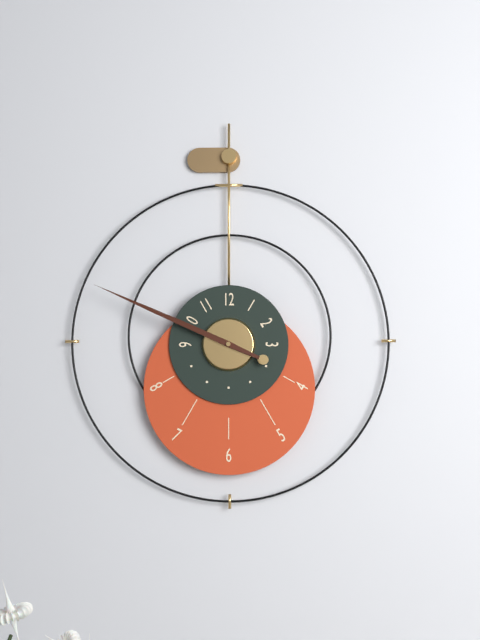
9:49
